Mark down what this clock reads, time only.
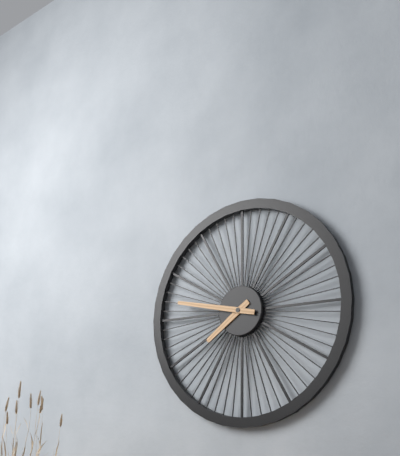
7:47
